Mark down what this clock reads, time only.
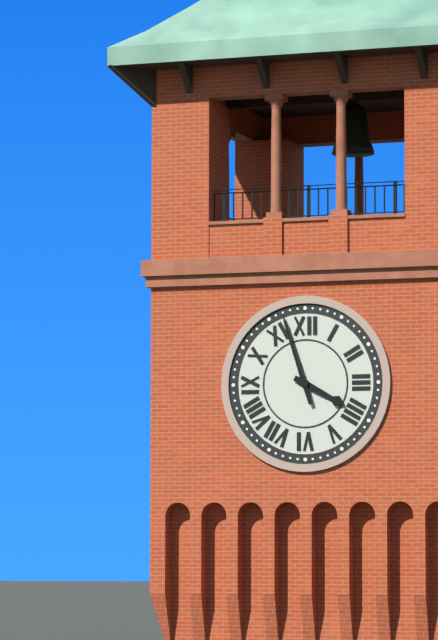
3:57
